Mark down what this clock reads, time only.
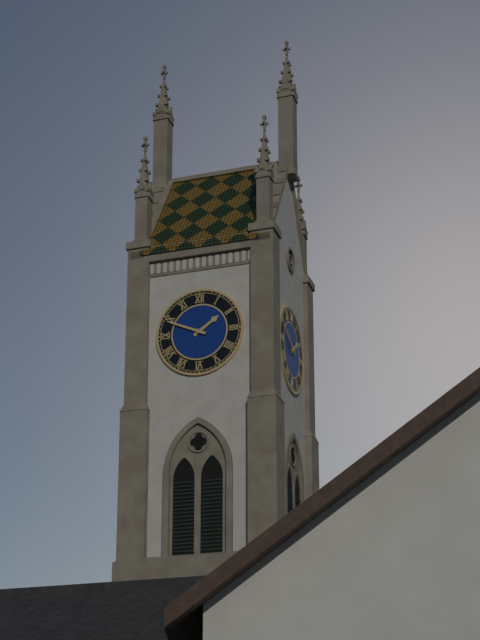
1:49
